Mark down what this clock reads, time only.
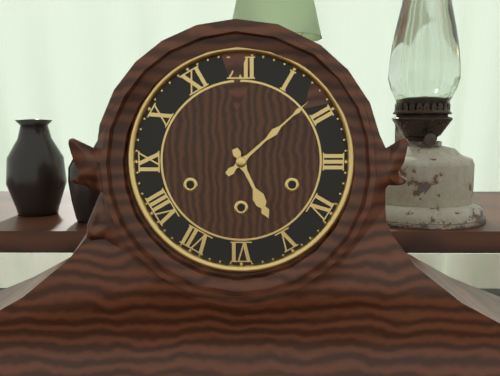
5:08
